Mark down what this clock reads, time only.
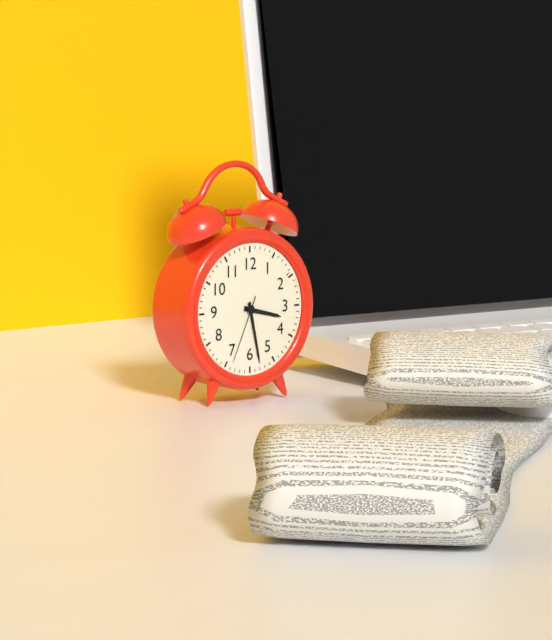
3:28:34
